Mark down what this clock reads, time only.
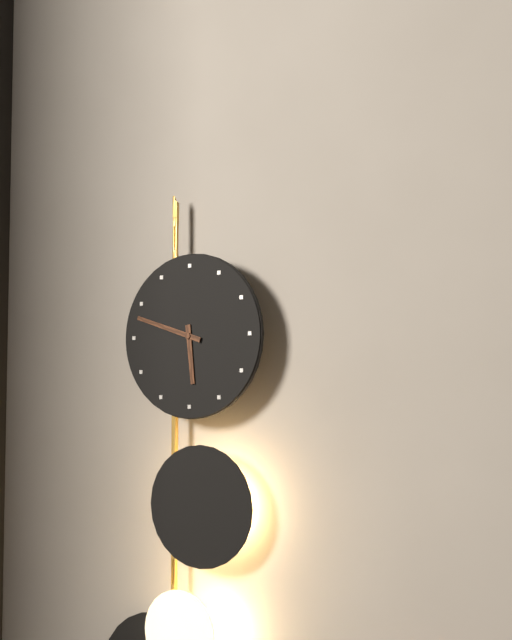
5:48
